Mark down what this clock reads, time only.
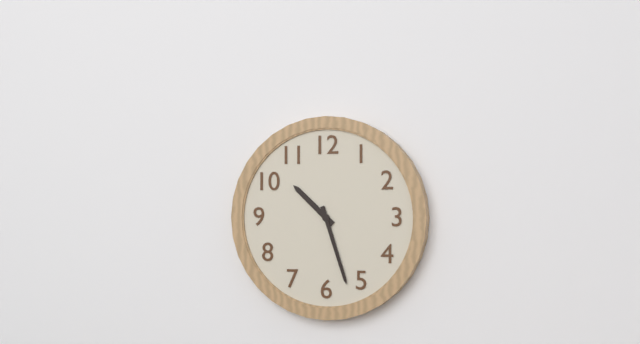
10:27
